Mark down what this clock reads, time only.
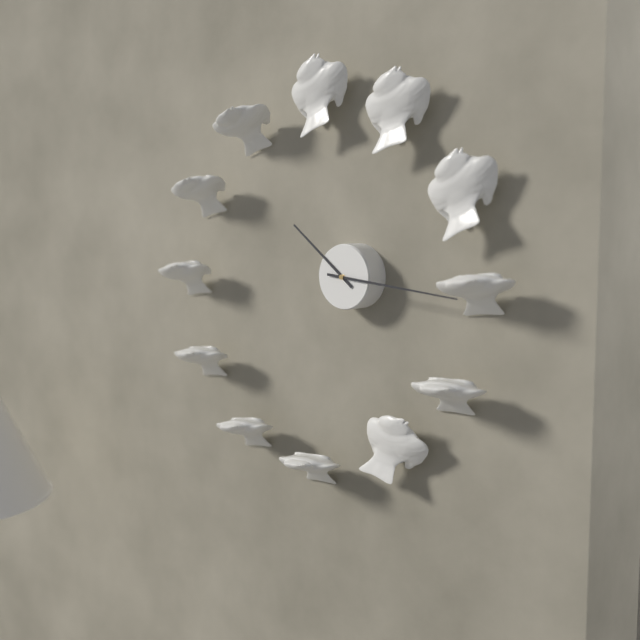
10:16
